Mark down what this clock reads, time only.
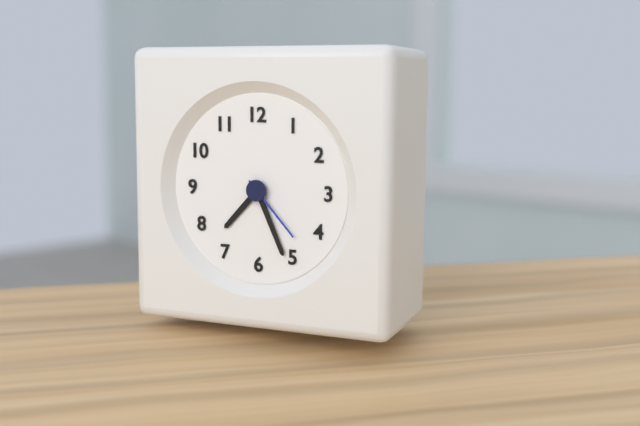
7:26:23
